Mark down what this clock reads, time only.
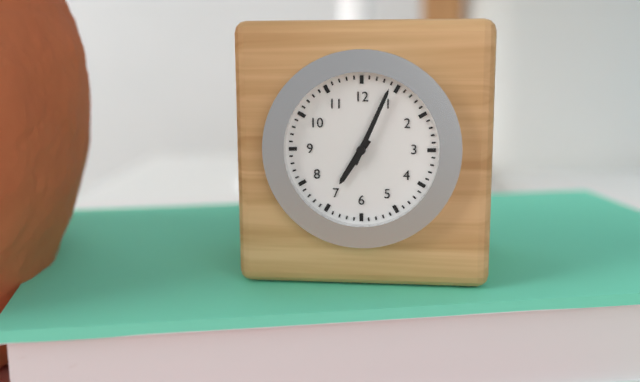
7:04
